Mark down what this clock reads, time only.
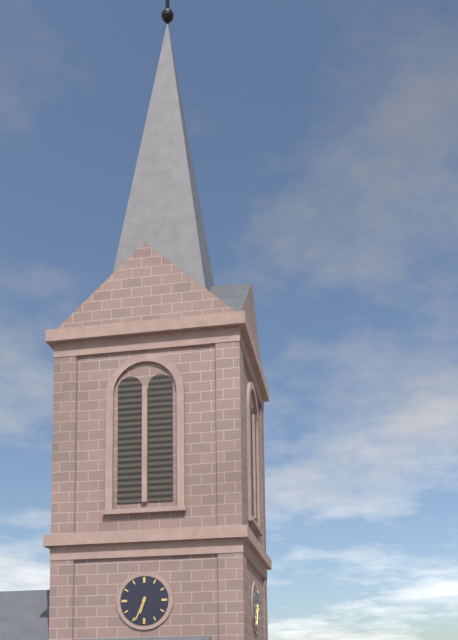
6:34
